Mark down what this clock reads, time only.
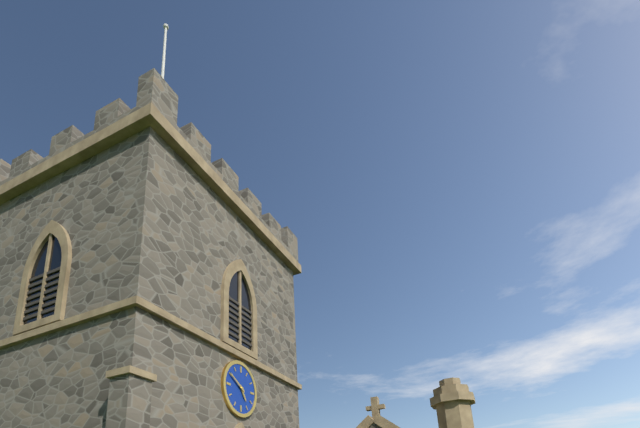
4:50
